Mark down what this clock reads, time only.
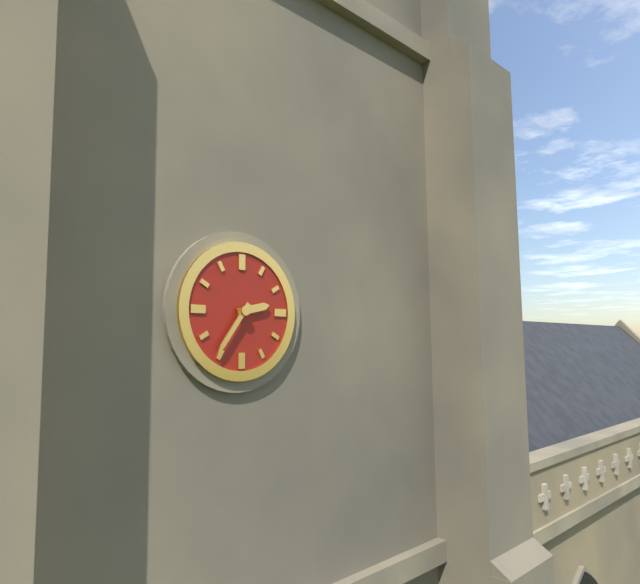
2:36
